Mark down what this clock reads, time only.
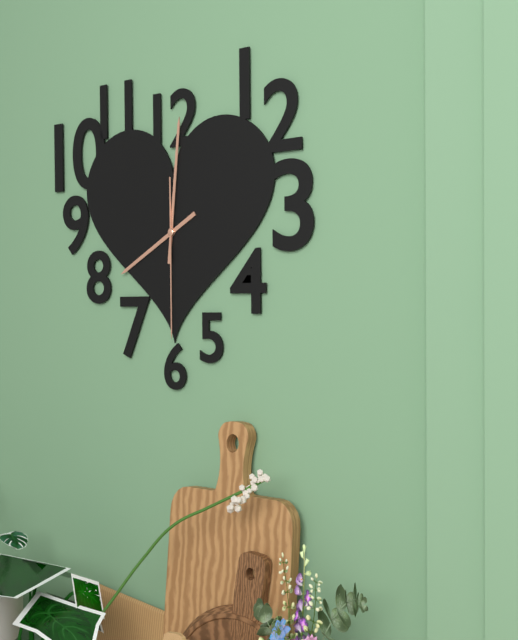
8:01:30
